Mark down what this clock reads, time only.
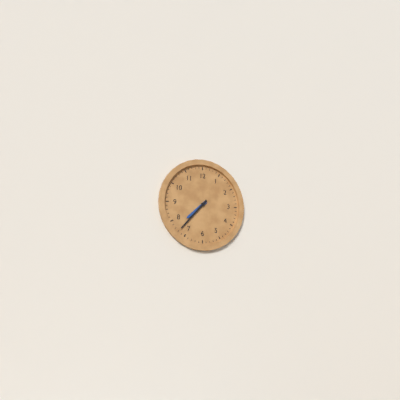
7:37
